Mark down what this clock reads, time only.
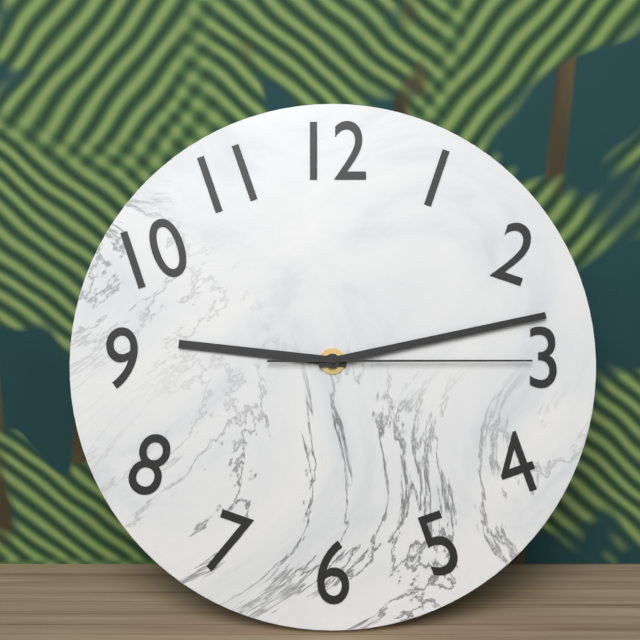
9:13:15
